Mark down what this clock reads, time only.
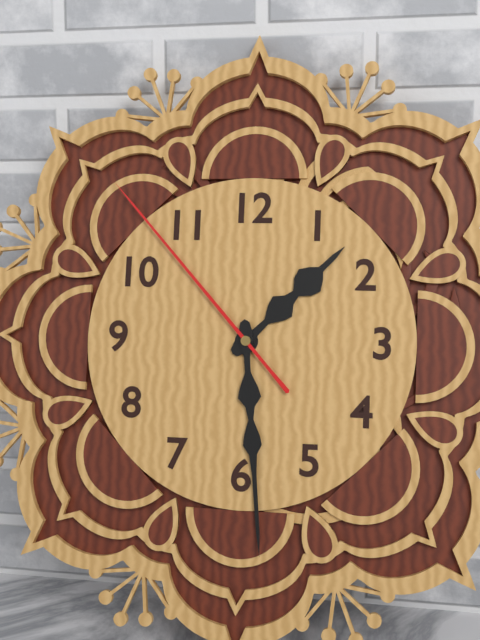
1:29:53
